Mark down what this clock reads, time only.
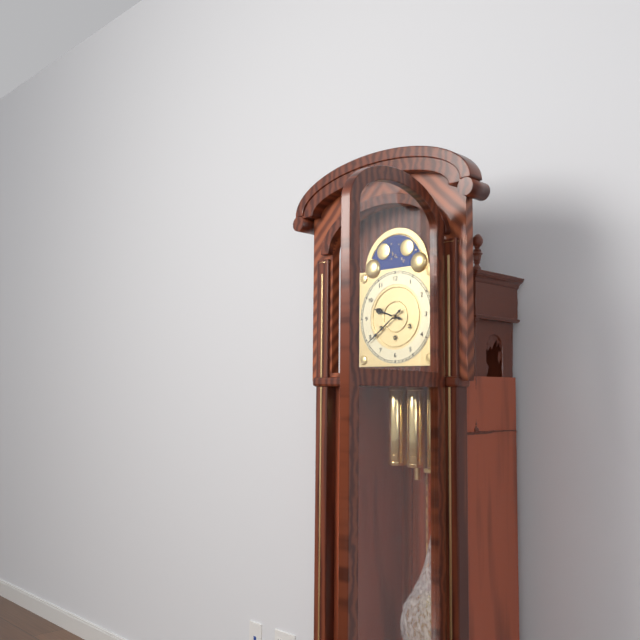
9:39
